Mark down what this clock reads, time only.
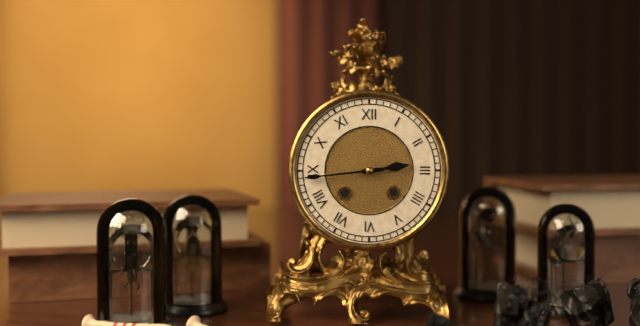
2:44
